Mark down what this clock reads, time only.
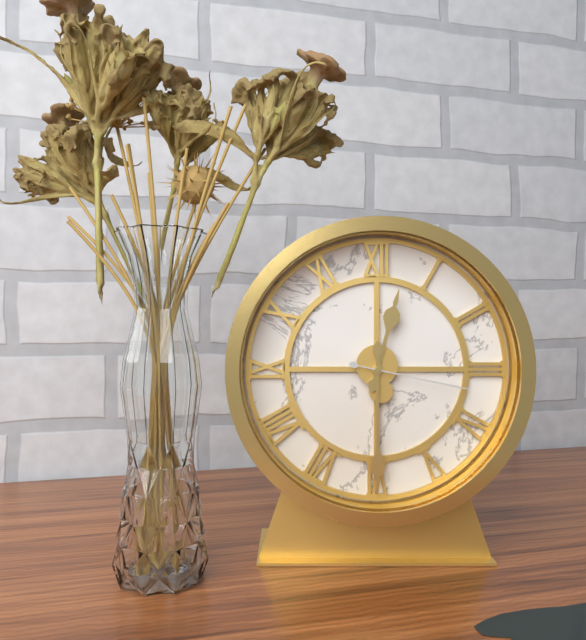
12:30:17
